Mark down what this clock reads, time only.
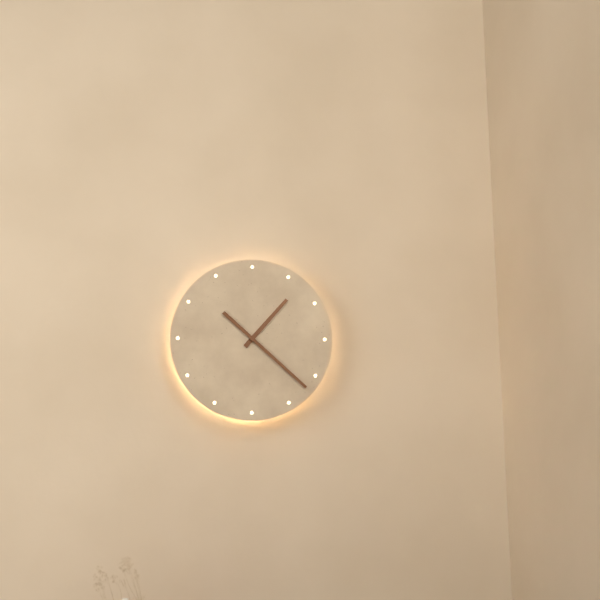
1:22
